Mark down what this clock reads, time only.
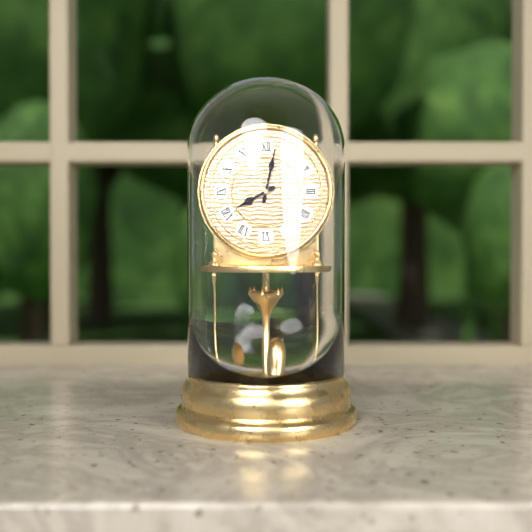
8:02
